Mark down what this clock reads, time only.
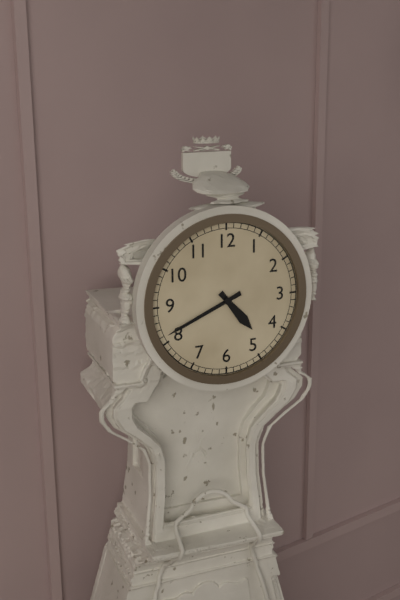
4:41
